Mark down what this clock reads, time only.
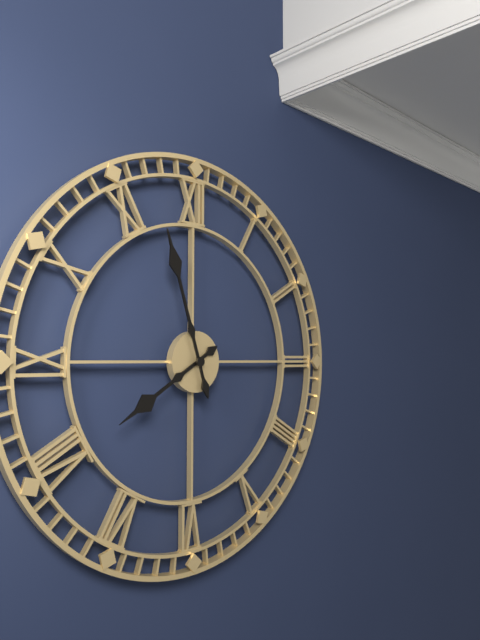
7:57
